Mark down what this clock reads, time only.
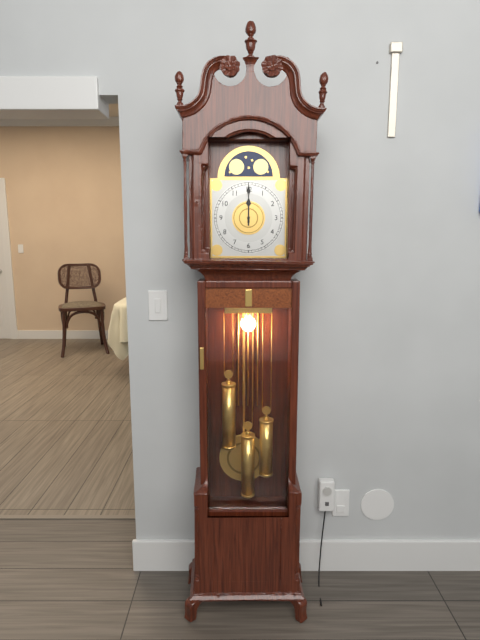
12:00
